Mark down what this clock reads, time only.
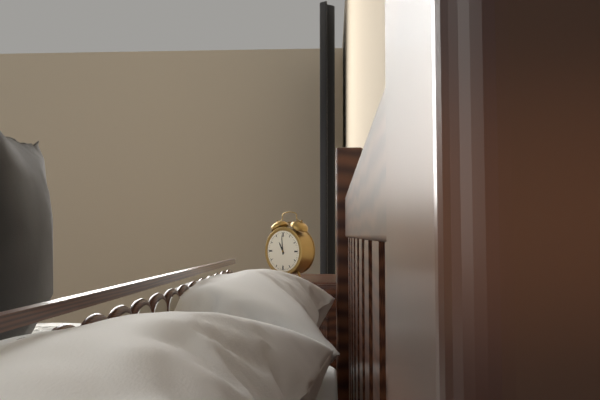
10:59
